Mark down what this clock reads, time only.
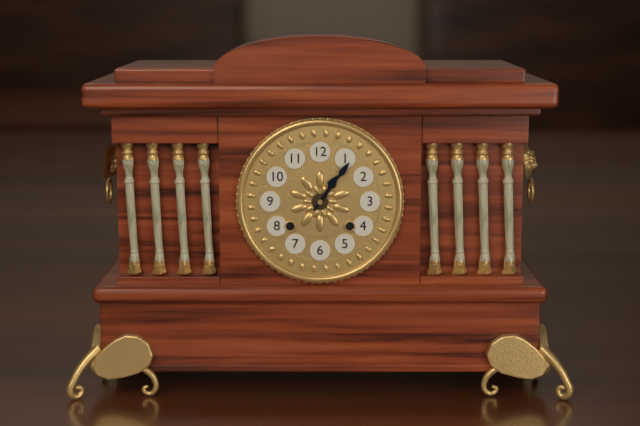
1:06
